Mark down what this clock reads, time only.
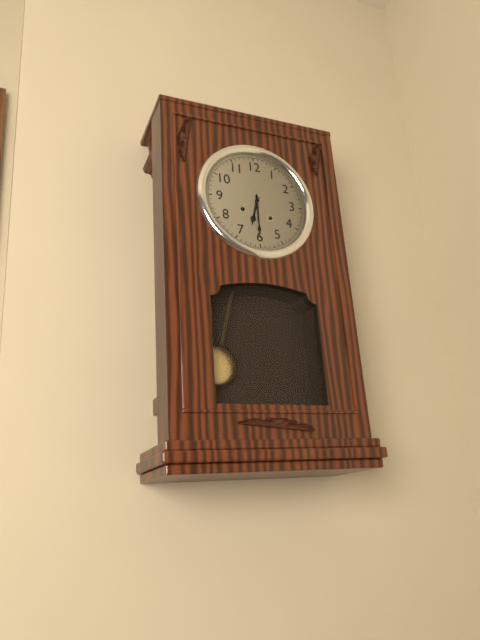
6:30
